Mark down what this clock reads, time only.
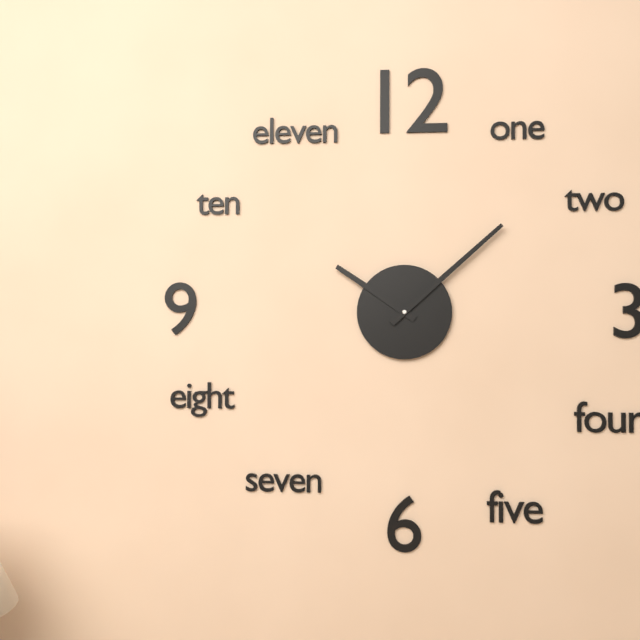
10:08
